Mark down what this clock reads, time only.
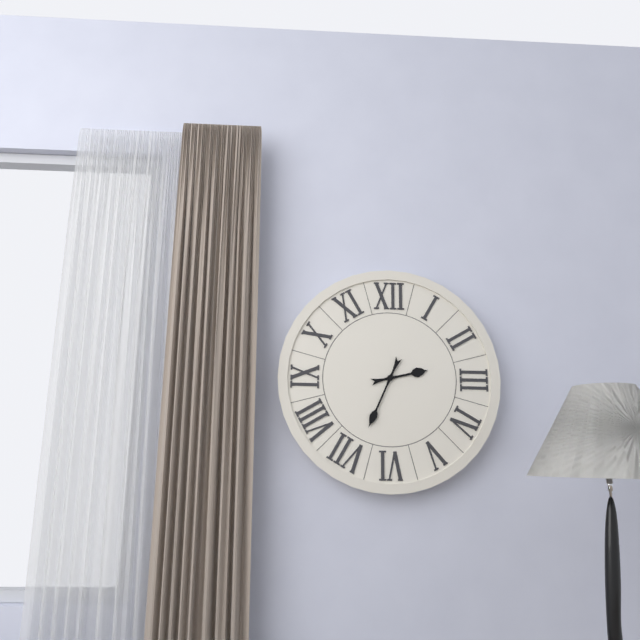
2:34
